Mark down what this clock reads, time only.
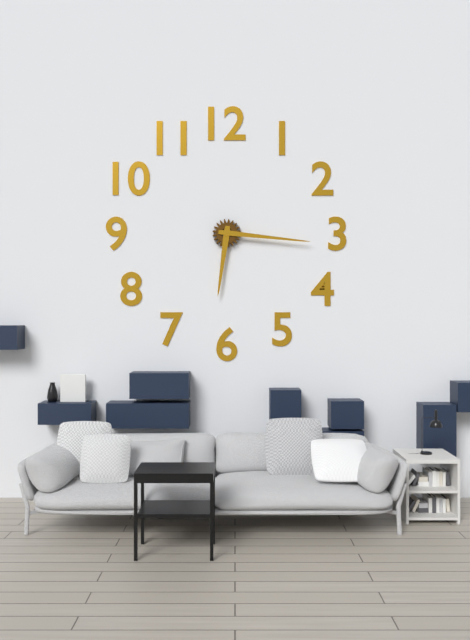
6:16
